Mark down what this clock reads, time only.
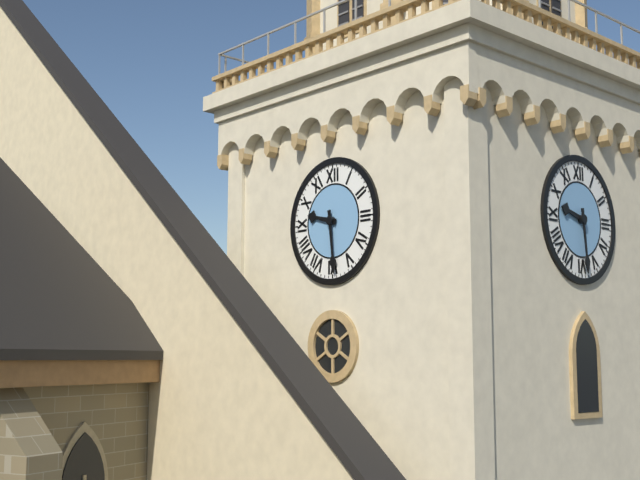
9:29
